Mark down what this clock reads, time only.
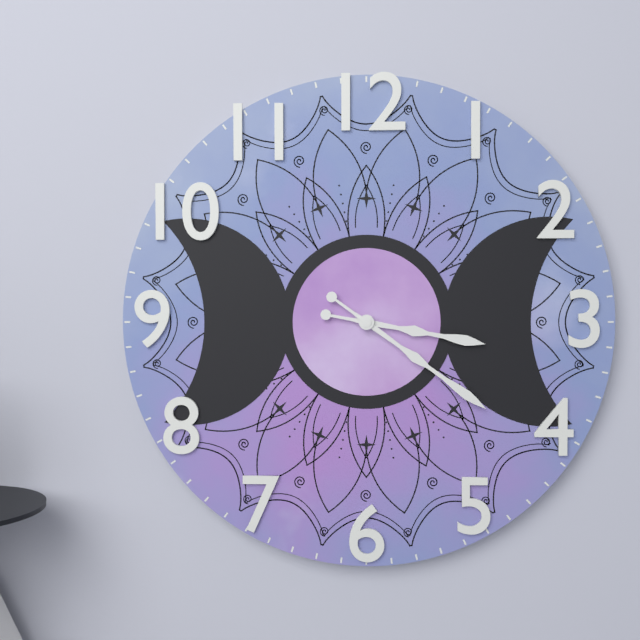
3:21
